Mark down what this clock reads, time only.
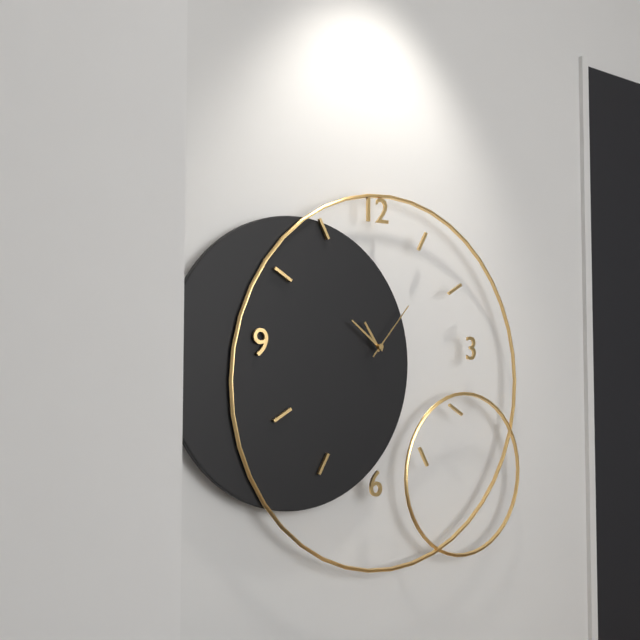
10:51:07
